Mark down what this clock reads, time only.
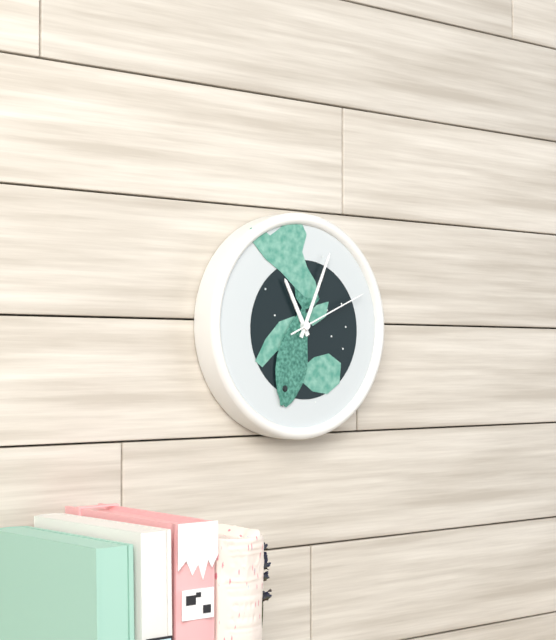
11:04:11
